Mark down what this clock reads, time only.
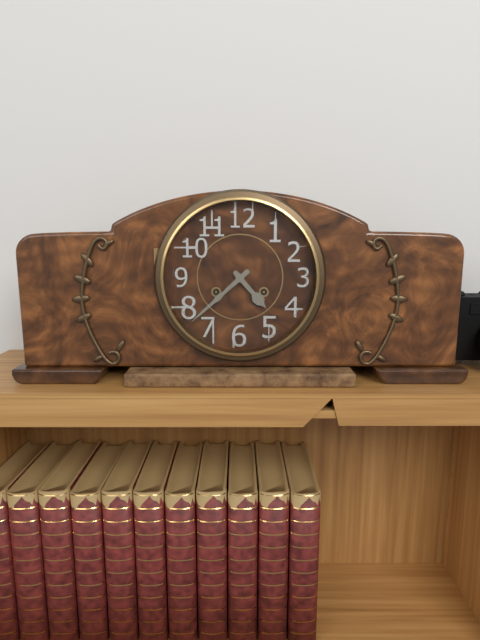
4:38
